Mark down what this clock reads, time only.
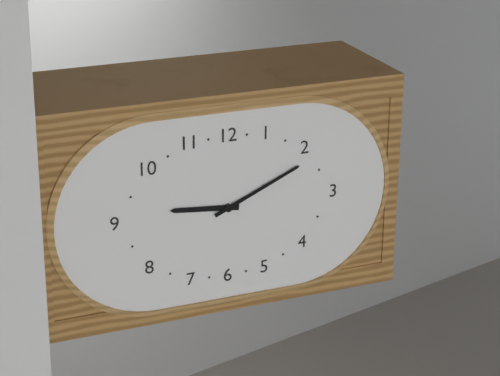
9:11
